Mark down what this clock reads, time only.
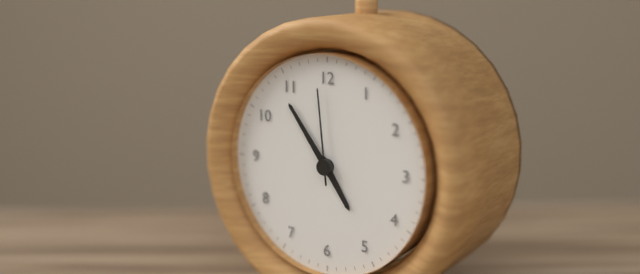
4:54:59
